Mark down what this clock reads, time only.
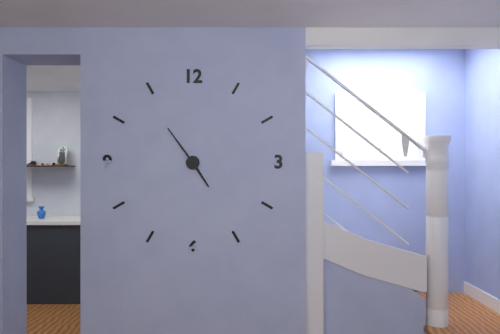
4:54
